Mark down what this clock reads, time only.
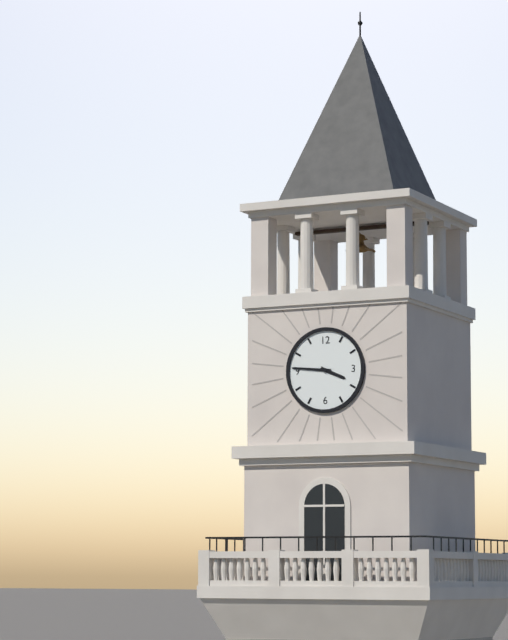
3:46
